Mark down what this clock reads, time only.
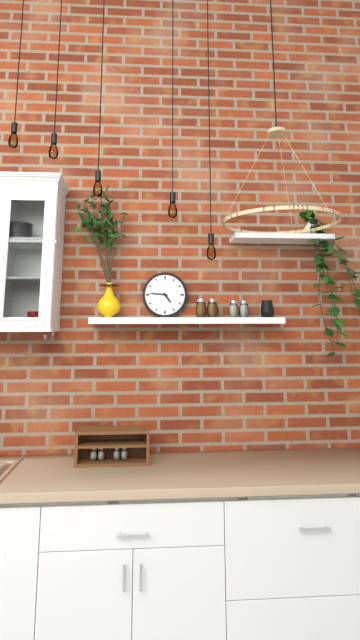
4:46
